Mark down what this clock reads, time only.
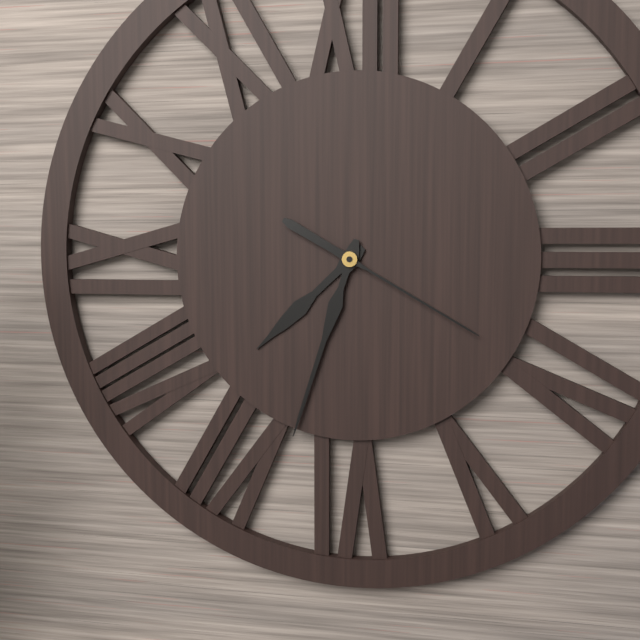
7:33:20
